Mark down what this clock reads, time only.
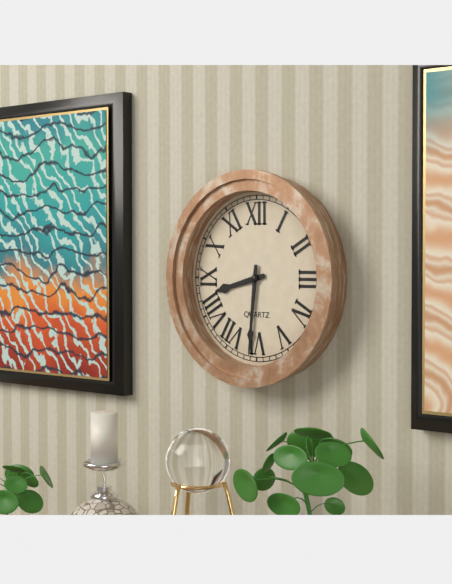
8:31
